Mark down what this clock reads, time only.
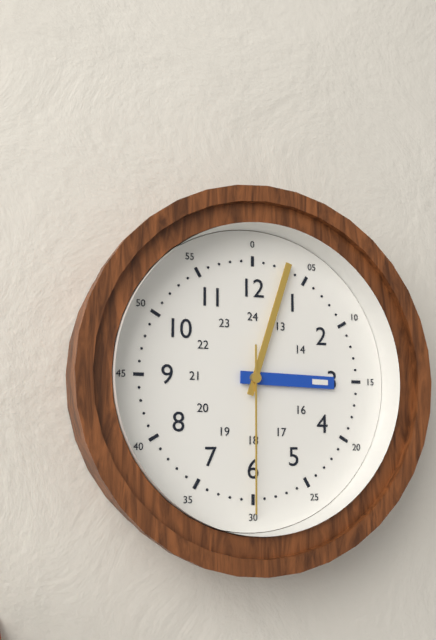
3:03:30
